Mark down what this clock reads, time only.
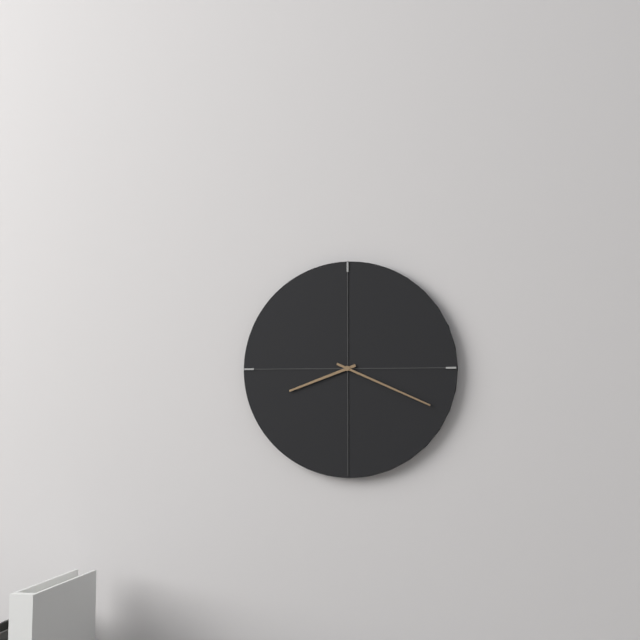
8:19
